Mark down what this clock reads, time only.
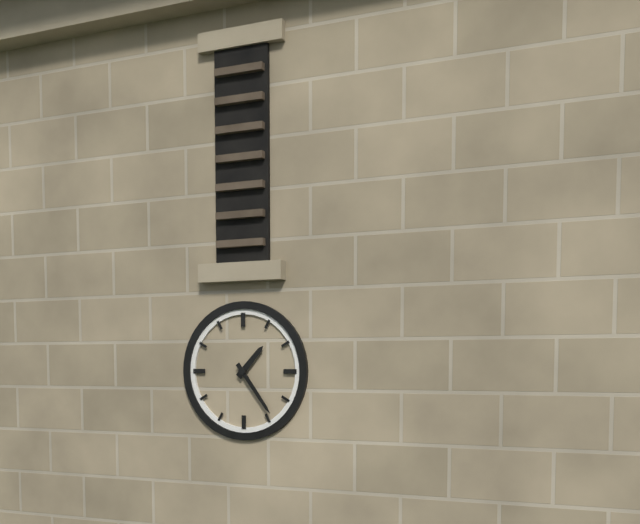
1:24
